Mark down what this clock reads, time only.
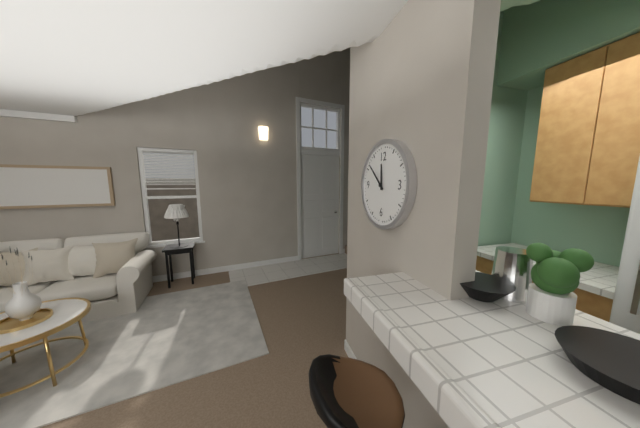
11:52
